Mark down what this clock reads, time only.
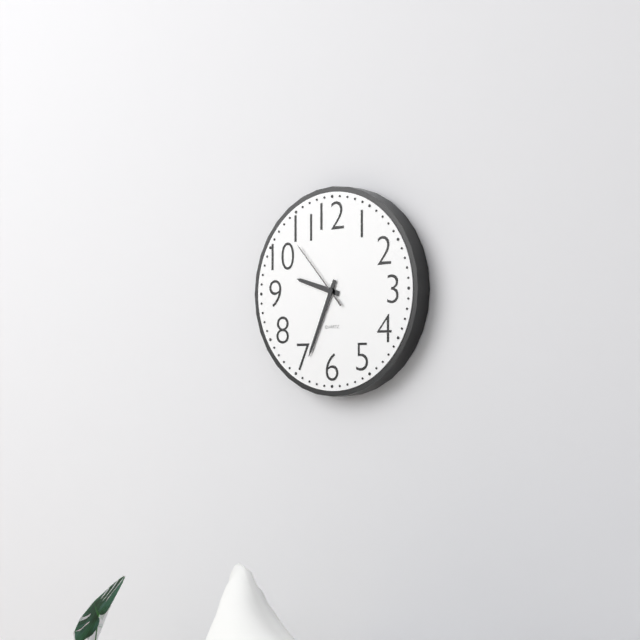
9:34:53
